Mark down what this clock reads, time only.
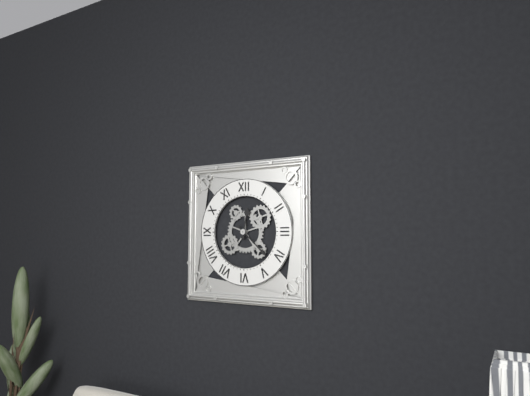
12:22
